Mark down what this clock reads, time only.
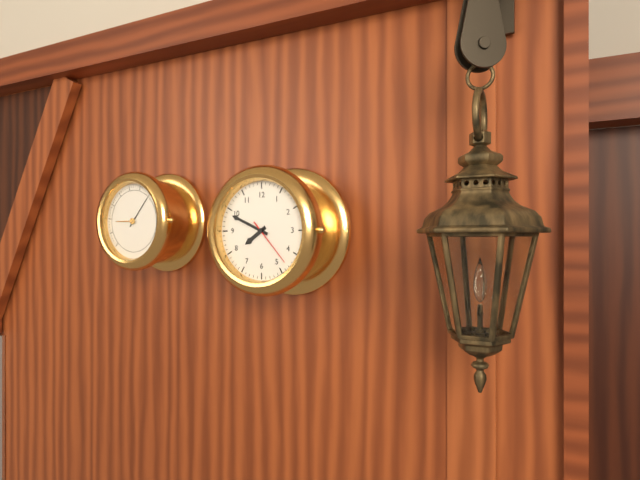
7:49
